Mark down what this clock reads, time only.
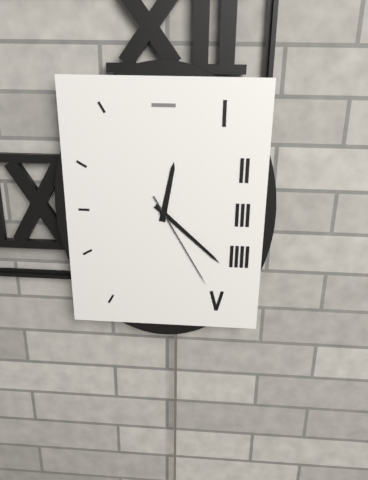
12:22:25
